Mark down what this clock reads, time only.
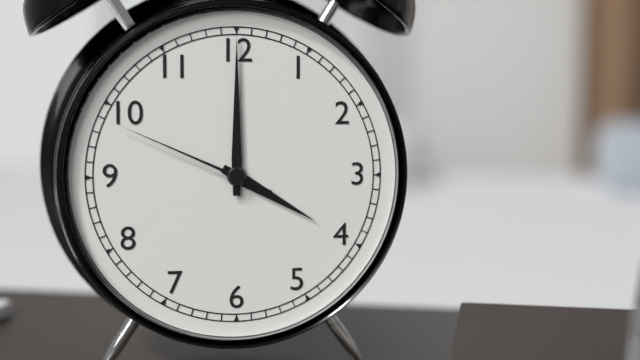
4:00:49
